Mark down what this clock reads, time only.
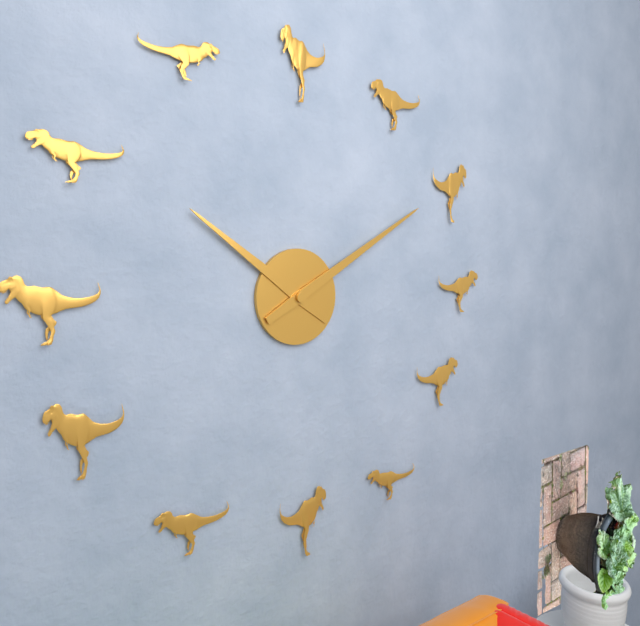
10:10
